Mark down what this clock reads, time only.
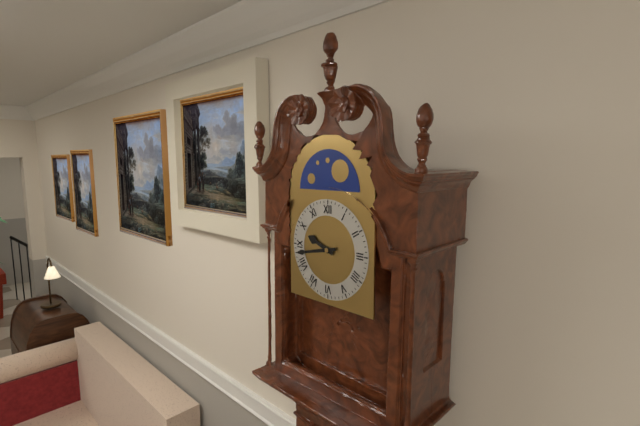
9:43
